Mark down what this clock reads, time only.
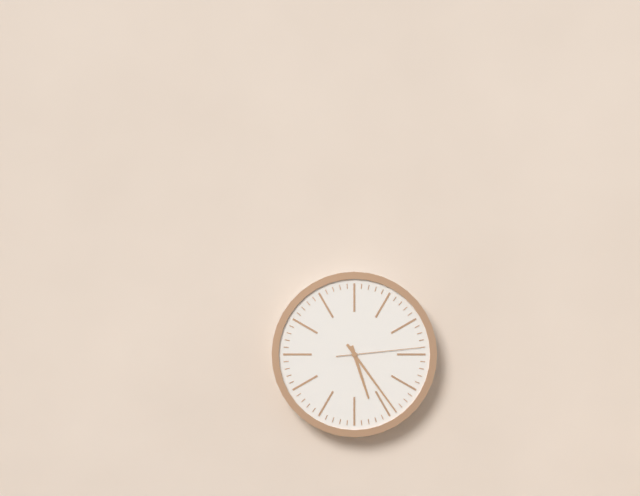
5:24:14
